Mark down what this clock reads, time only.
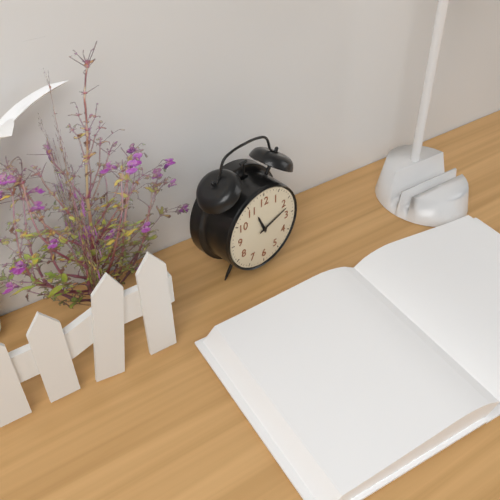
11:12
